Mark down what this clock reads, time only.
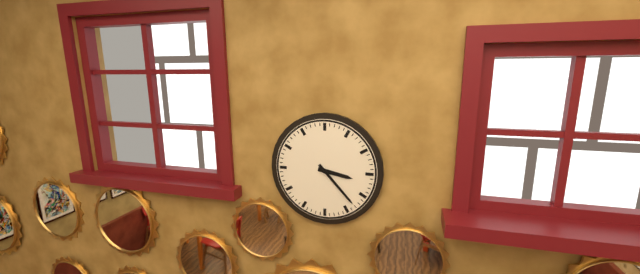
3:23
